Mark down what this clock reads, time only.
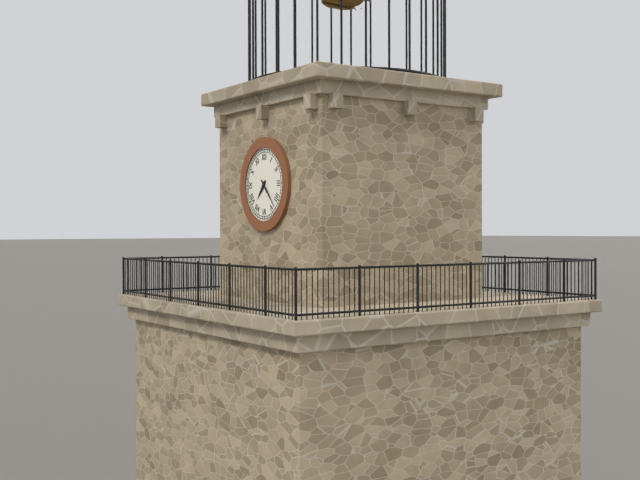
7:23
